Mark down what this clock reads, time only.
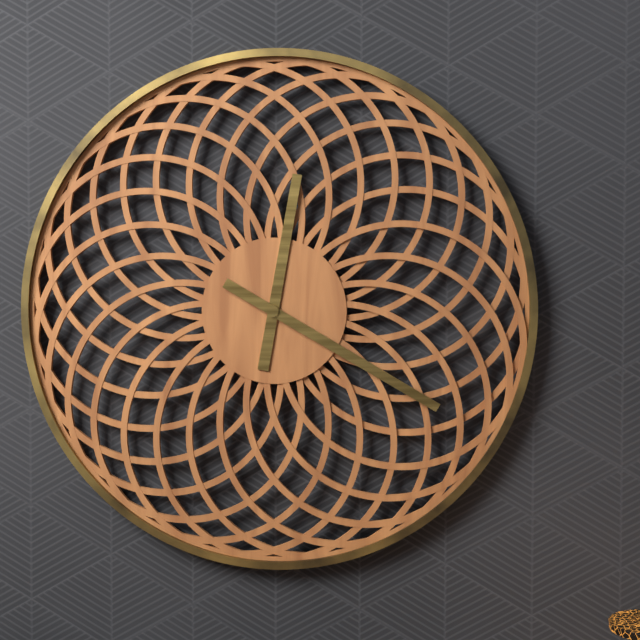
12:20
